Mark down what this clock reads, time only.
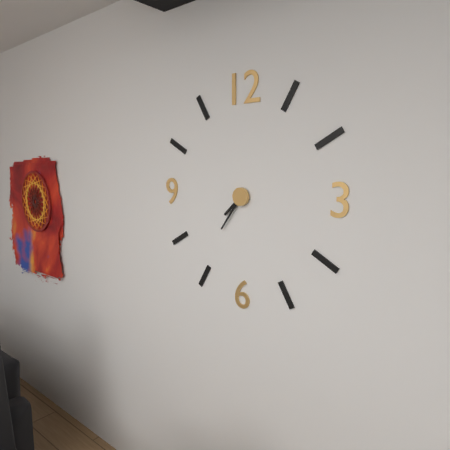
7:36
